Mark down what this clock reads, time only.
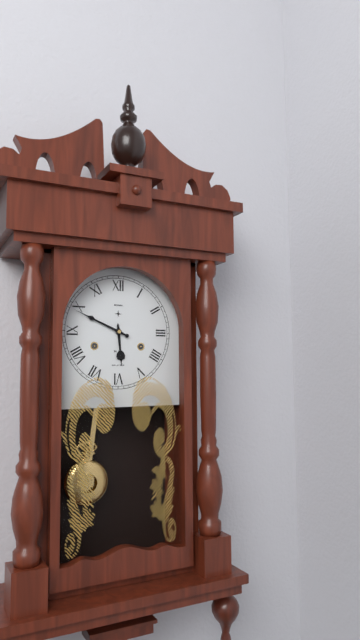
5:49
